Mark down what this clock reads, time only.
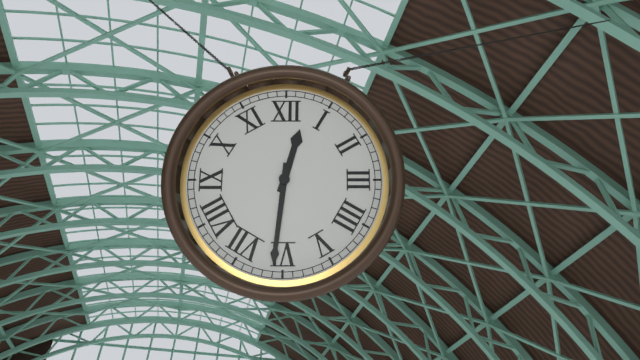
12:31
